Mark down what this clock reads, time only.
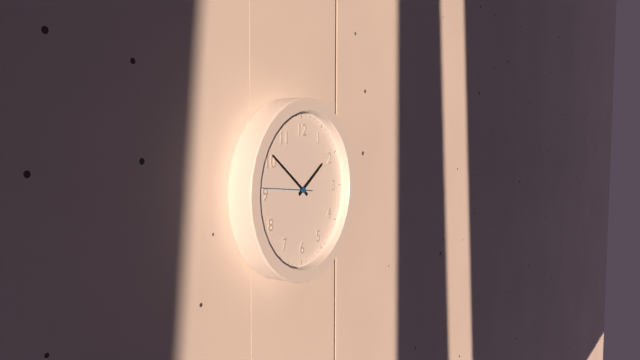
1:51:46
